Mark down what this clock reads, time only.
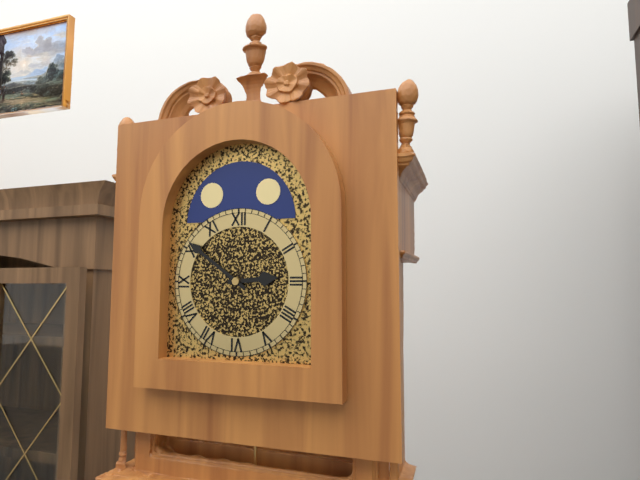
2:51
